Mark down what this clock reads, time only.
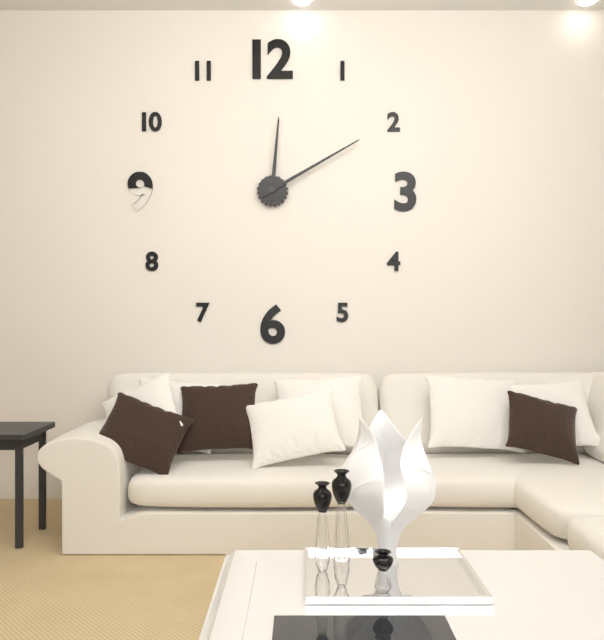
12:10
